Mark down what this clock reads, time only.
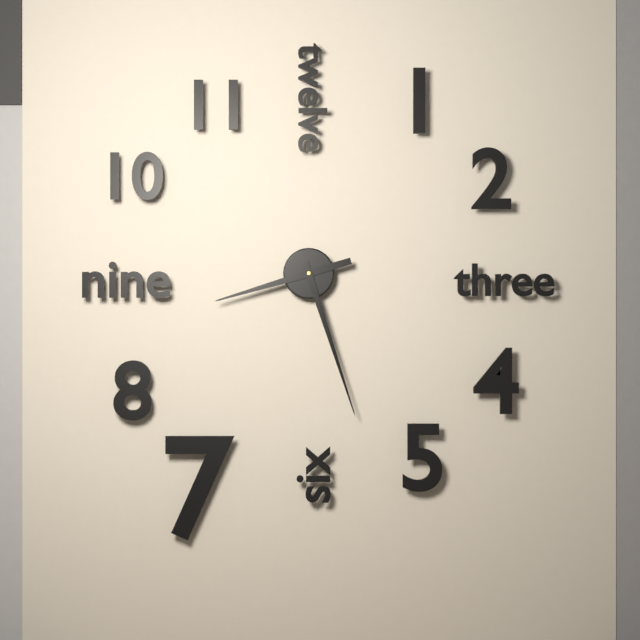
8:27
